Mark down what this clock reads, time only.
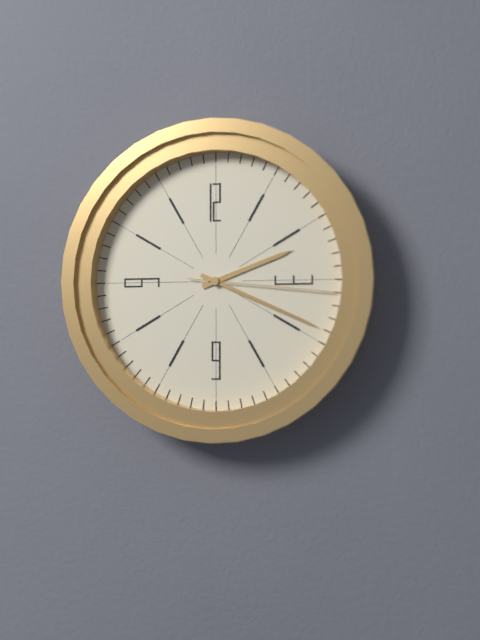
2:19:16
